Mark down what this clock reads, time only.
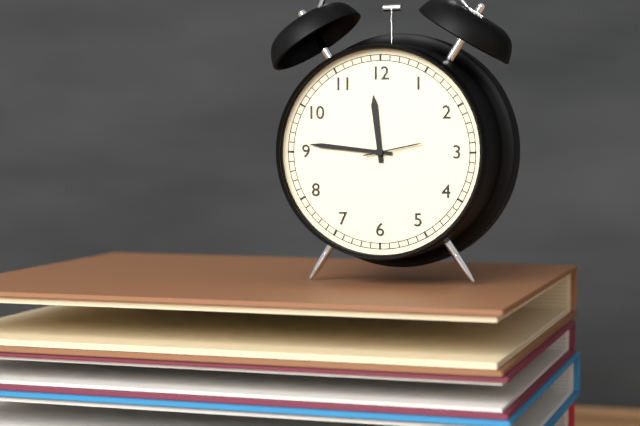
11:46:13
